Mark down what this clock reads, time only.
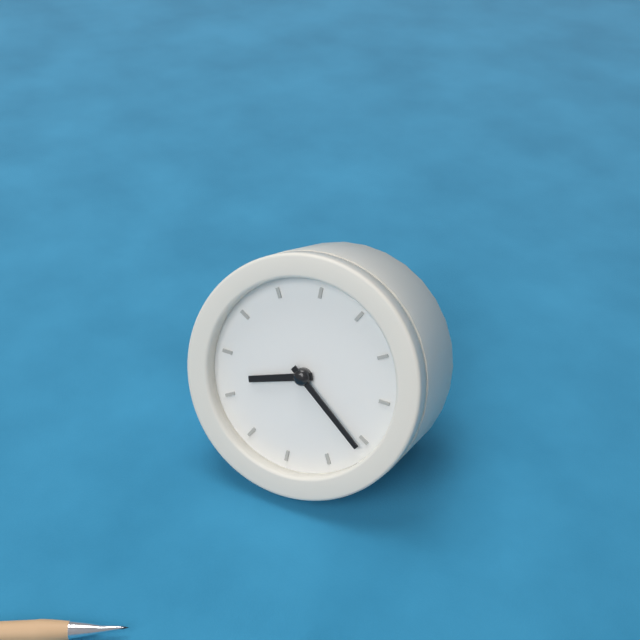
8:21
